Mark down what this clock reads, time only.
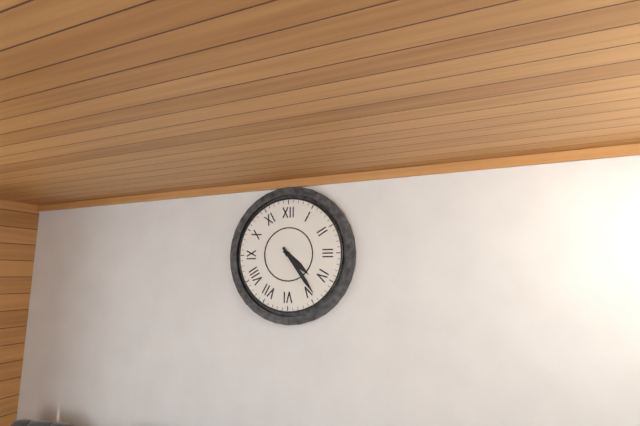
4:24
